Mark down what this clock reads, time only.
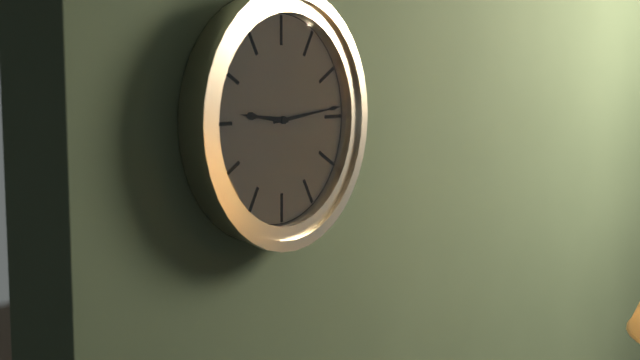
9:14
